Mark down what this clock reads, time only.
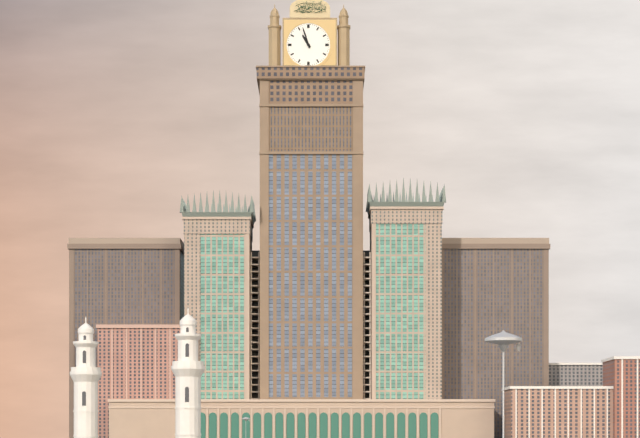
10:57
